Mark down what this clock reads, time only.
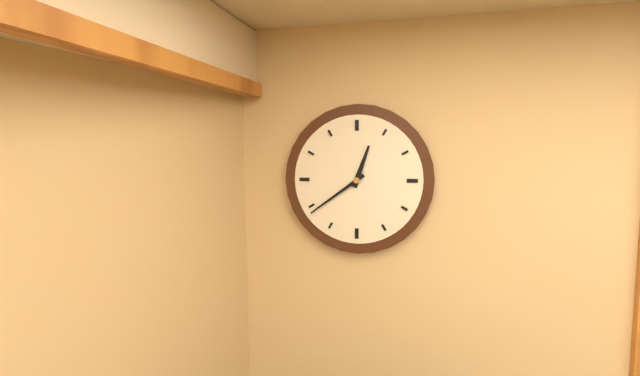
12:39
